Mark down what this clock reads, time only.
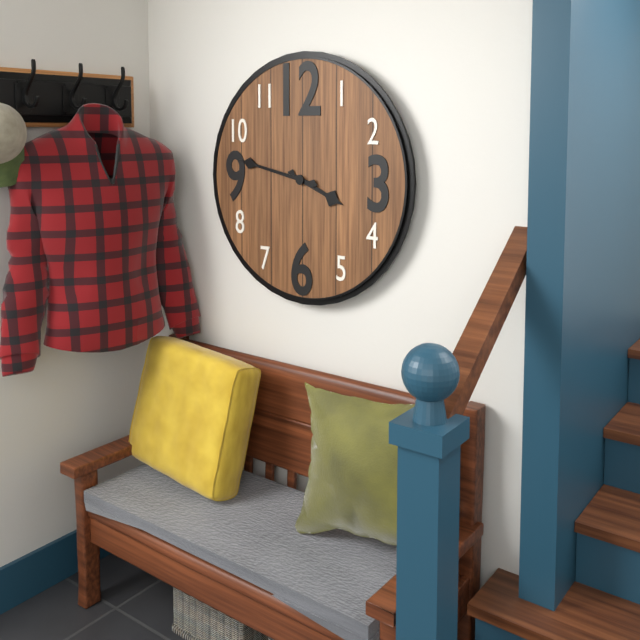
3:47
